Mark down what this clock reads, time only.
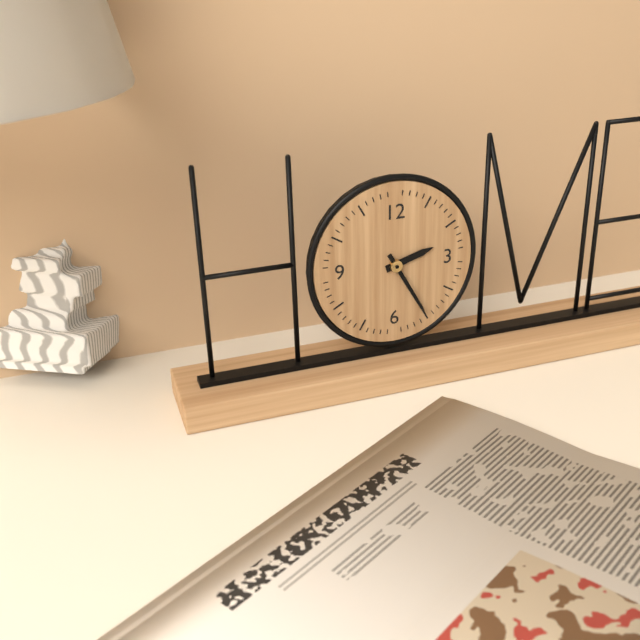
2:25
